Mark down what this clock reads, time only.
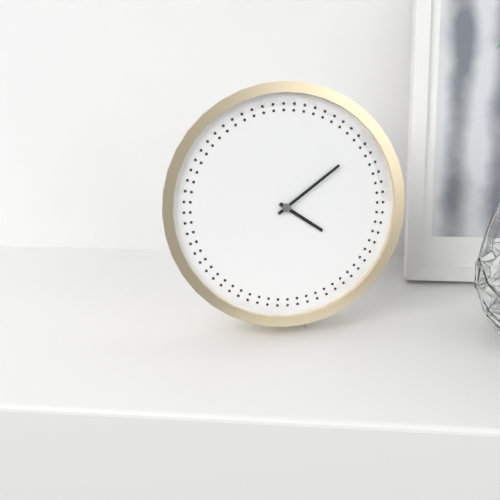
4:09
